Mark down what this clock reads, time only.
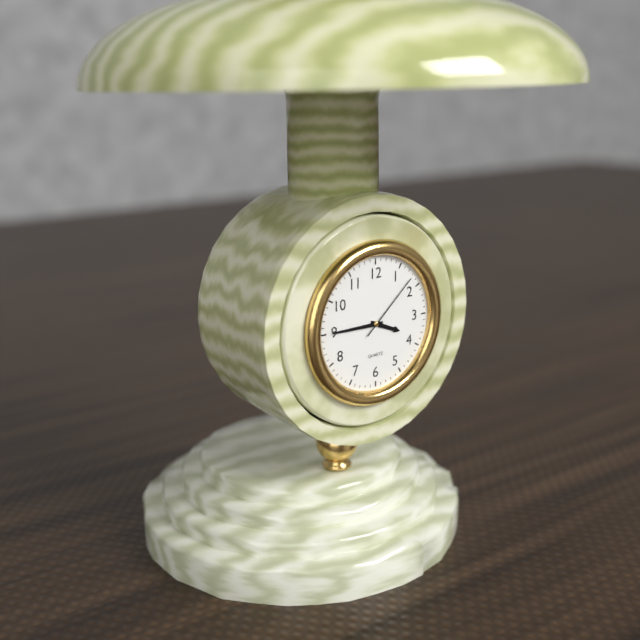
3:45:08
